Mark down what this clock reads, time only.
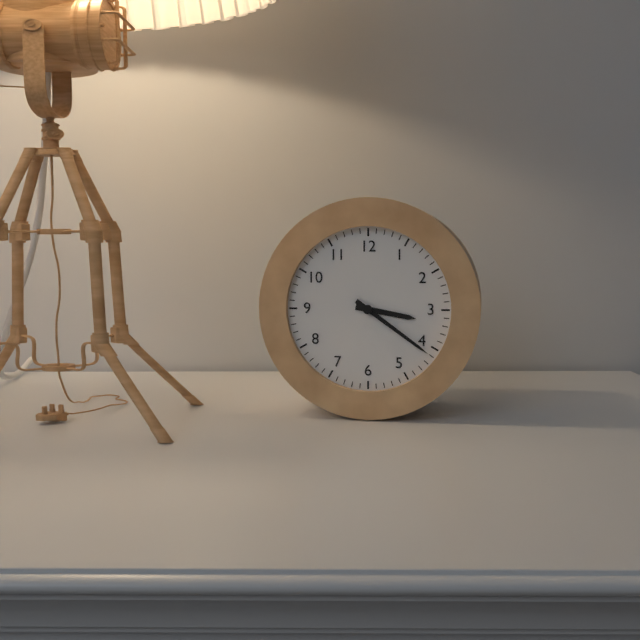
3:21
